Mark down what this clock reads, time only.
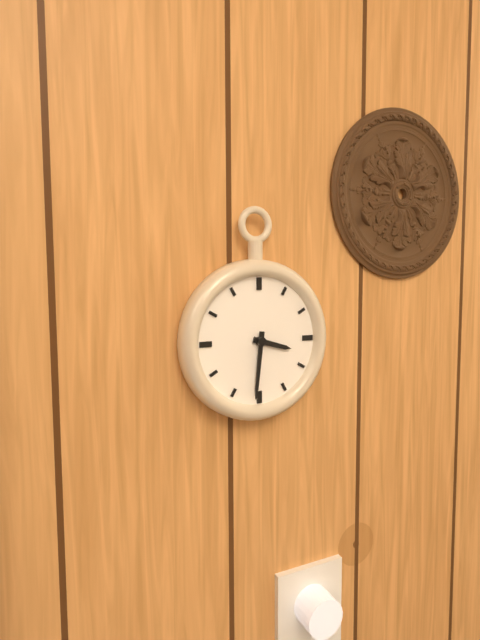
3:31
